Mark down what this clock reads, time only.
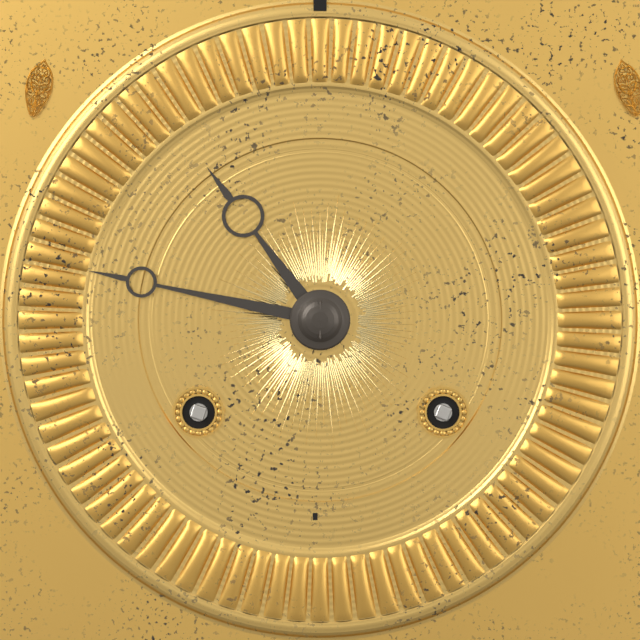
10:47
